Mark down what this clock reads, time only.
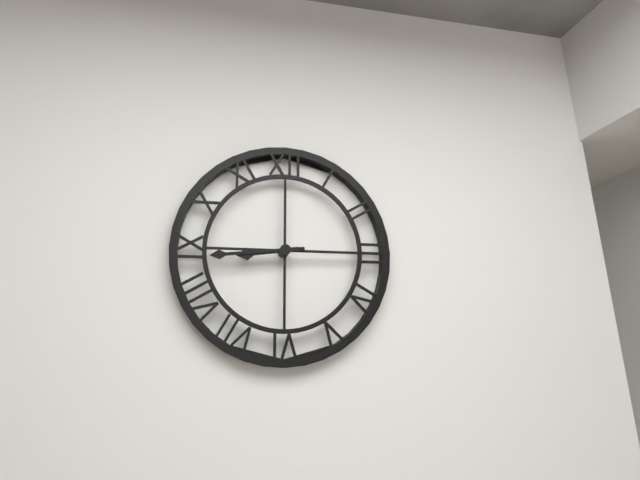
8:44
